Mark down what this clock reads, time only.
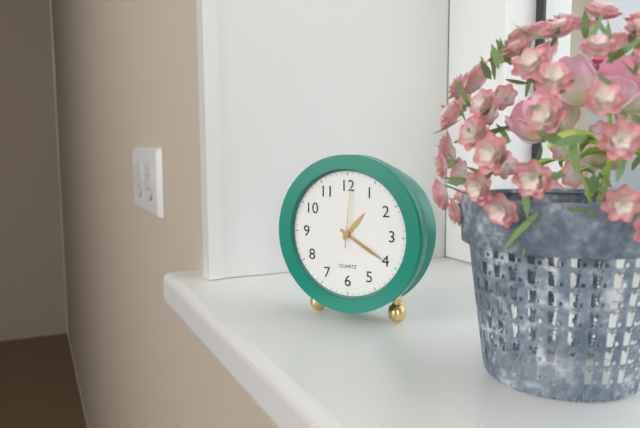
1:20:01
